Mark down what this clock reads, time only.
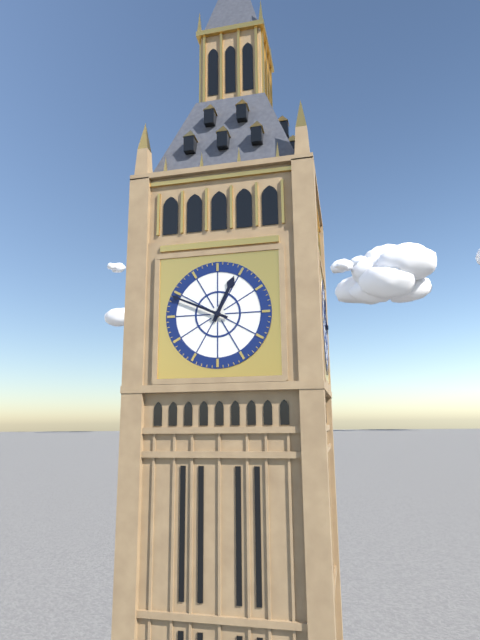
12:49
